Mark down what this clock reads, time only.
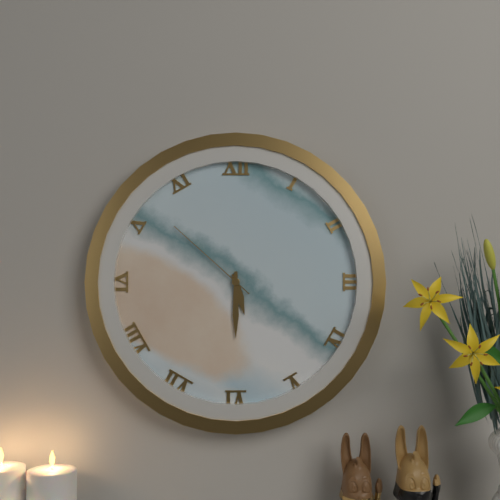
5:30:52
